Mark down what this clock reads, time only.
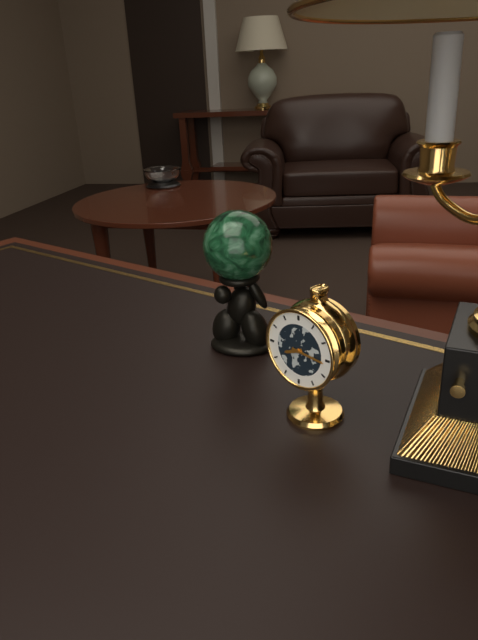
8:16
